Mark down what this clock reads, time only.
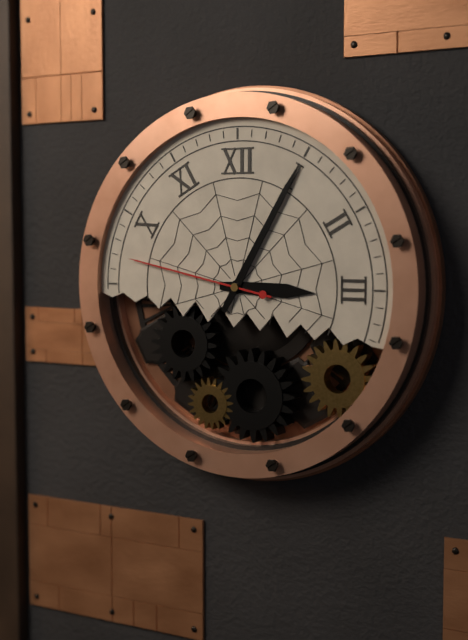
3:05:47
